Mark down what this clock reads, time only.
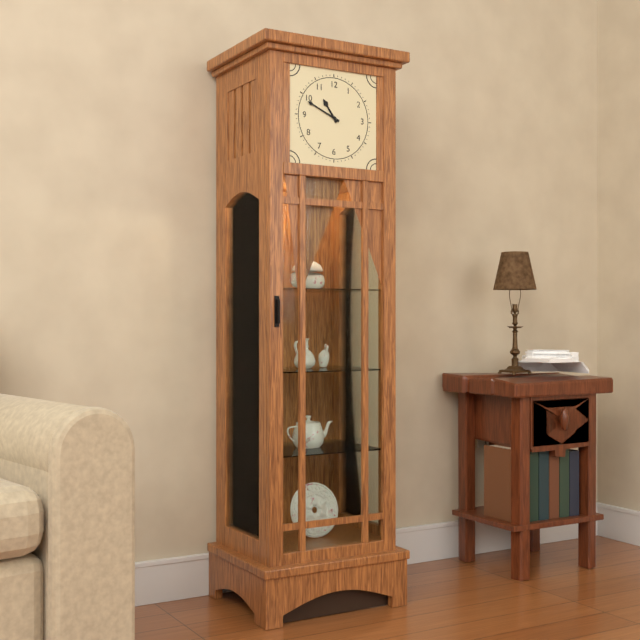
10:49
